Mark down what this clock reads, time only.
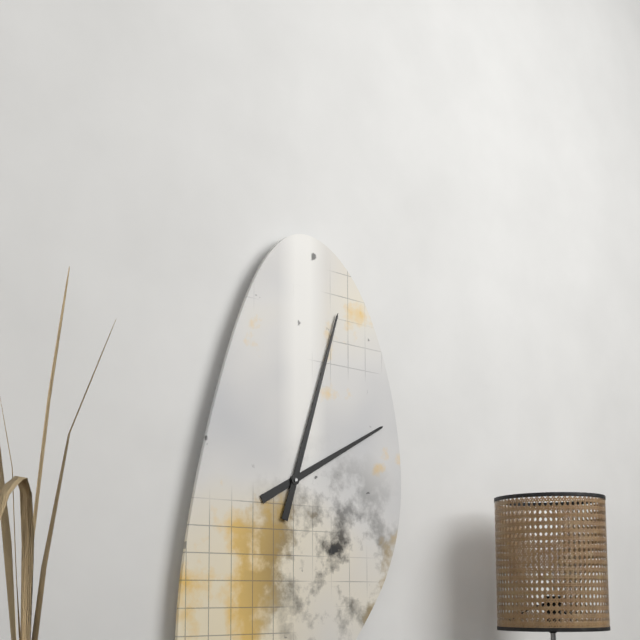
2:03
